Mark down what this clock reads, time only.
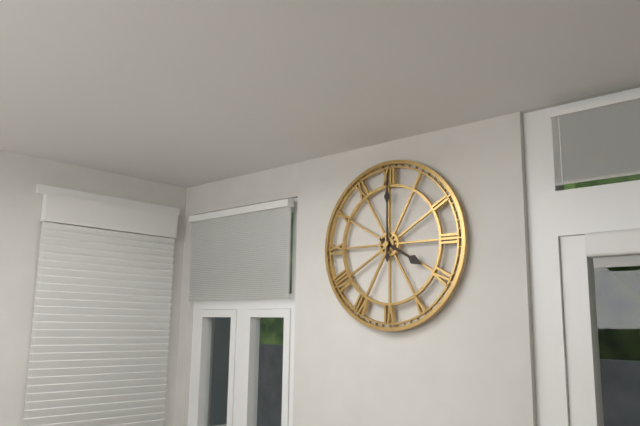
4:00
